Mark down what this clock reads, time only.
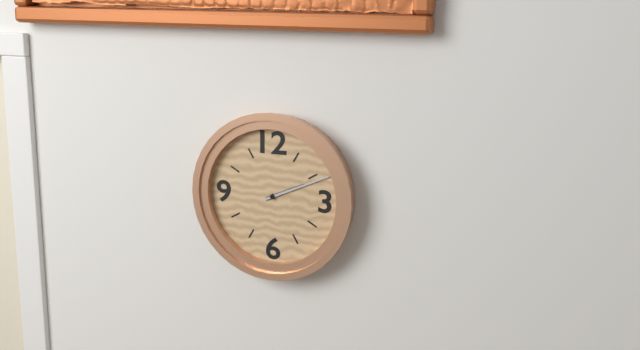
2:11
